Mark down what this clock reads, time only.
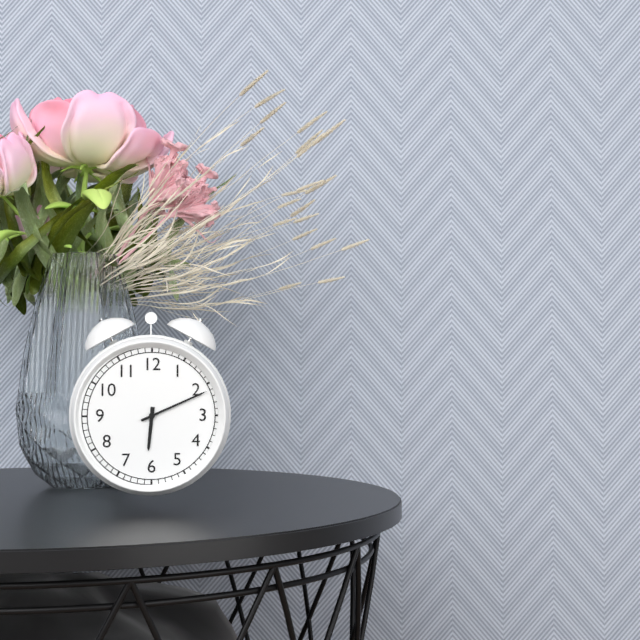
6:11
